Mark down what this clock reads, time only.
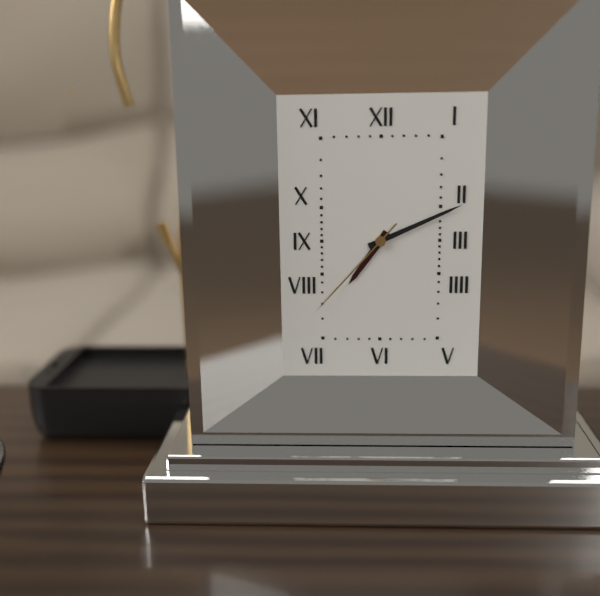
7:11:37
